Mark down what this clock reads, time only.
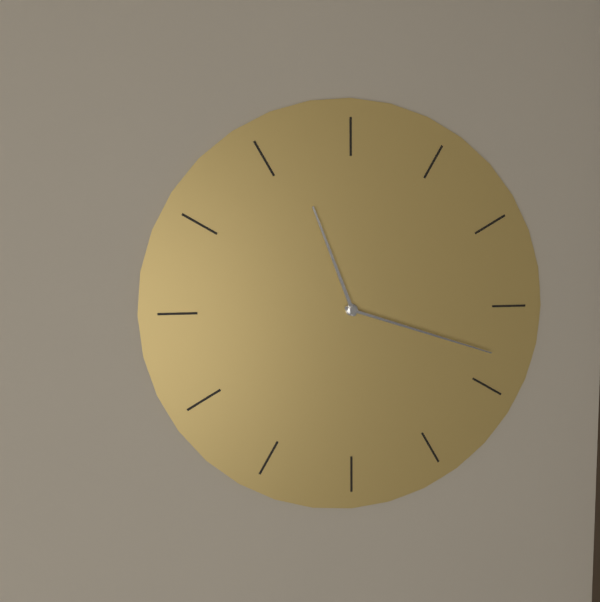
11:18
